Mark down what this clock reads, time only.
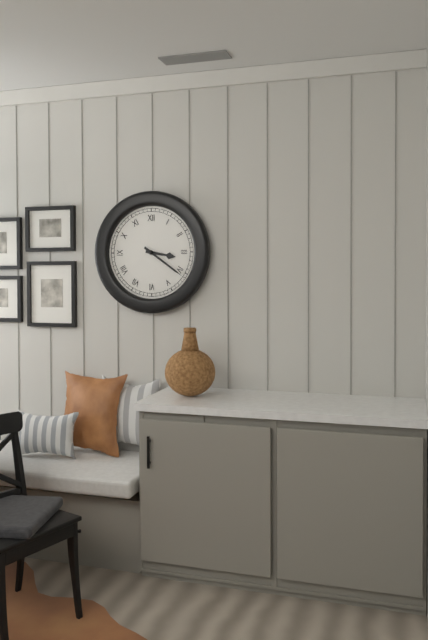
3:21
